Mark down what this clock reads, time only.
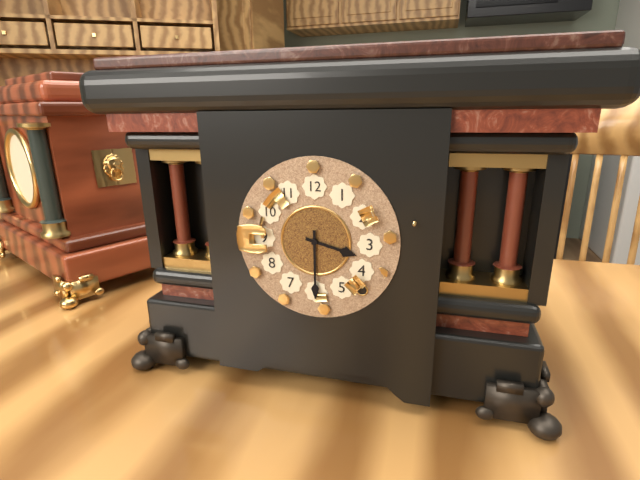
3:30
